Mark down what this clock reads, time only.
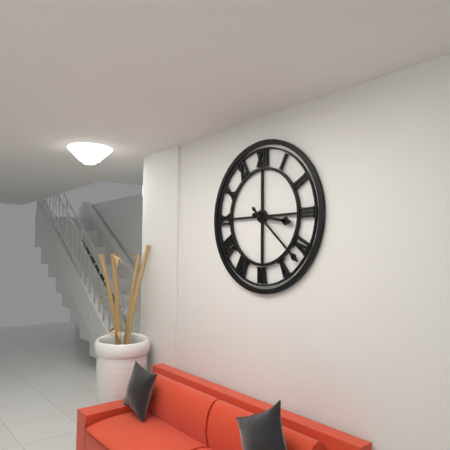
3:22
